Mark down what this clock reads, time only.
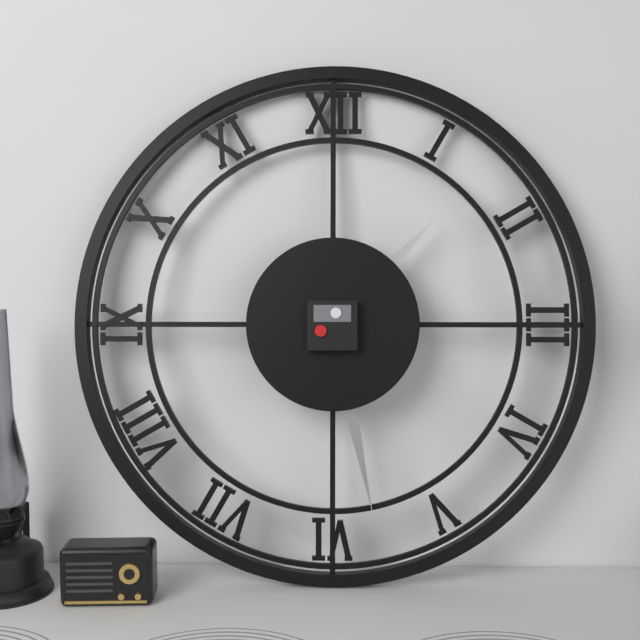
1:28
